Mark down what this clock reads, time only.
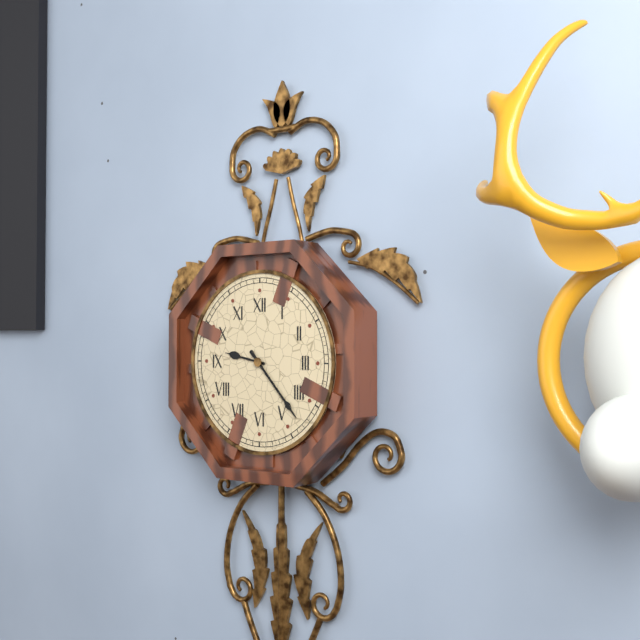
9:23
